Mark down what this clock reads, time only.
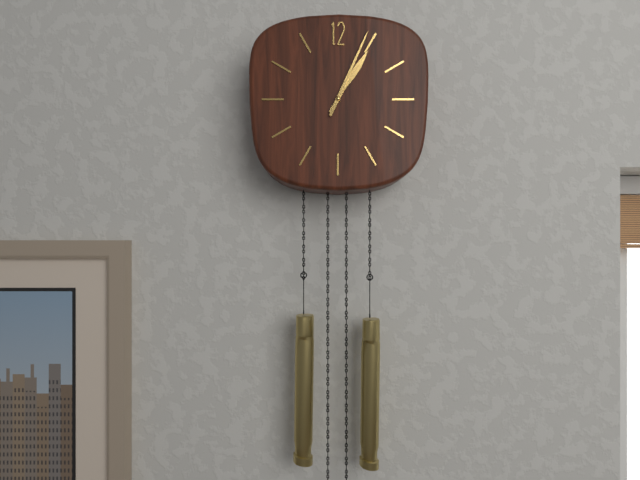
1:04
